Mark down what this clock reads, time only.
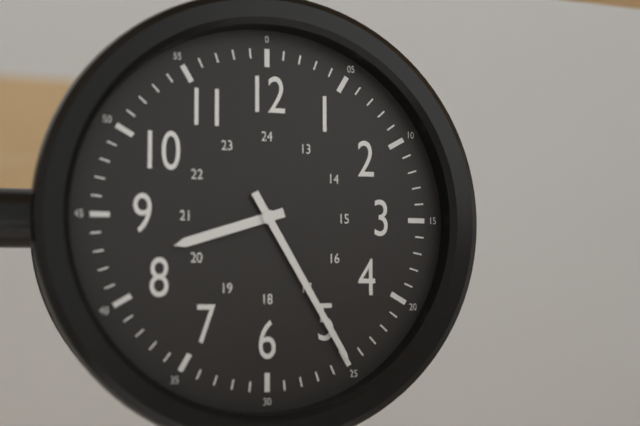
8:25
